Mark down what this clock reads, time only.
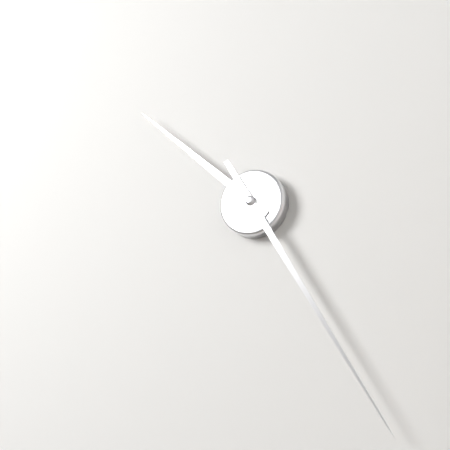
10:25
